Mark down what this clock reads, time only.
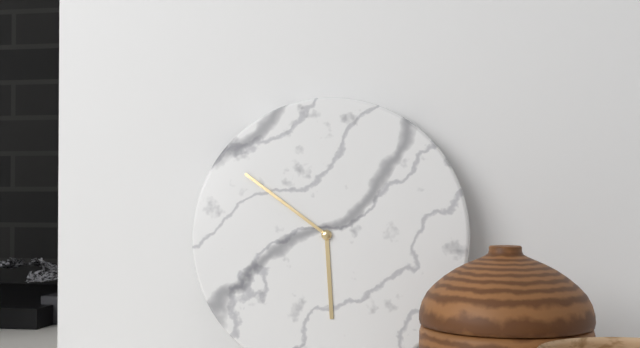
5:51
